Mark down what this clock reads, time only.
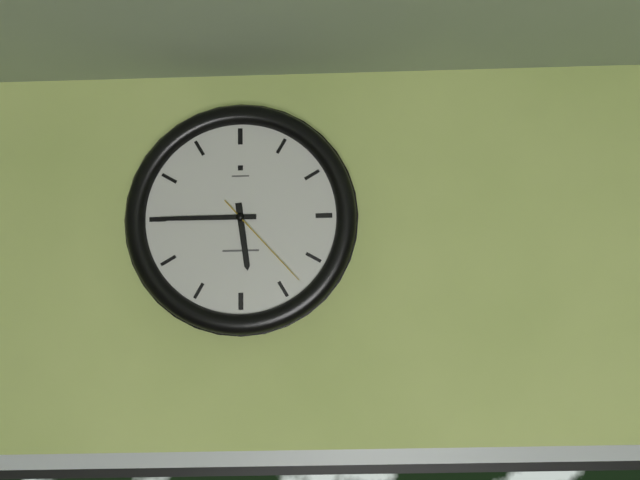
5:45:23
